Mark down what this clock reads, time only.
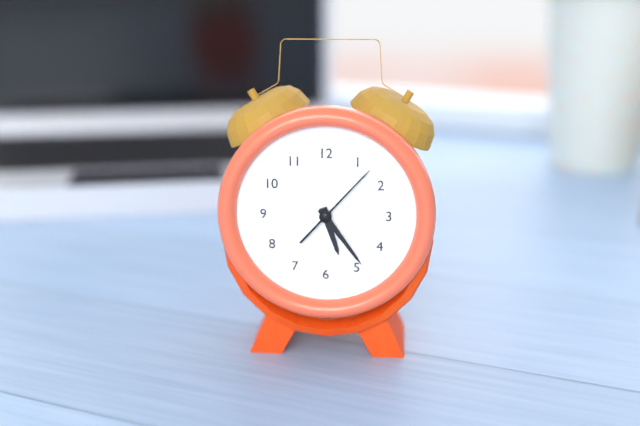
5:24:07
